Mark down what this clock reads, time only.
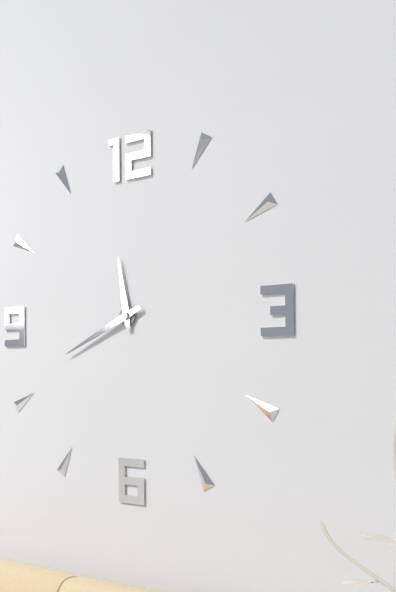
11:41
